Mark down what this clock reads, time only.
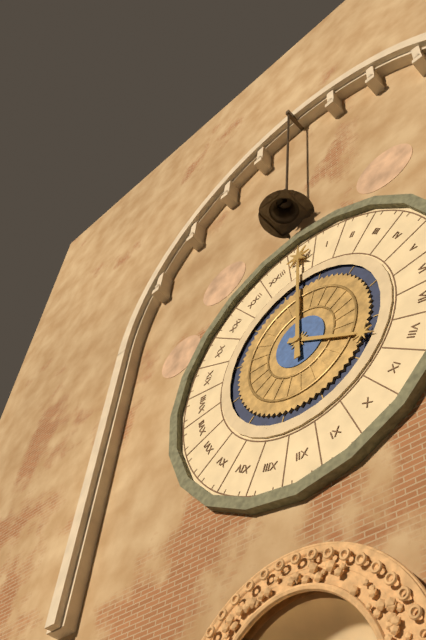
4:00
